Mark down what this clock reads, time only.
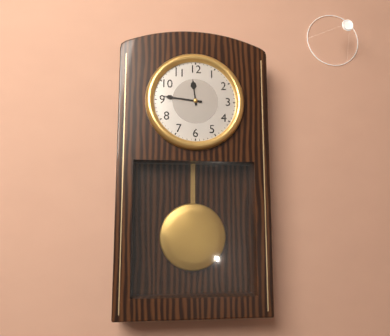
11:46
